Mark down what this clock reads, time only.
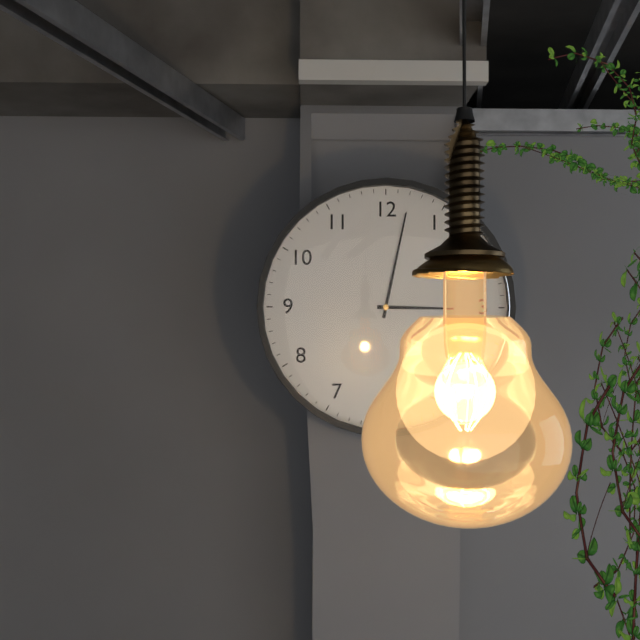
3:02
